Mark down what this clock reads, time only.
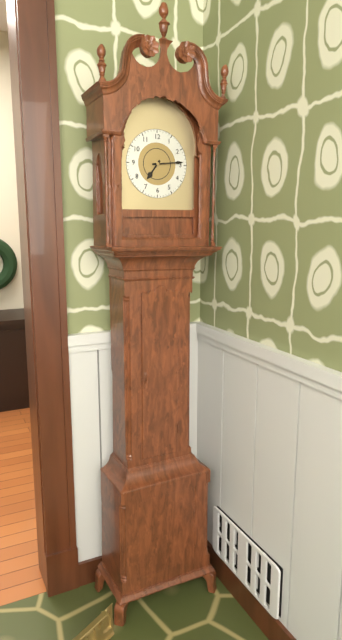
7:14
